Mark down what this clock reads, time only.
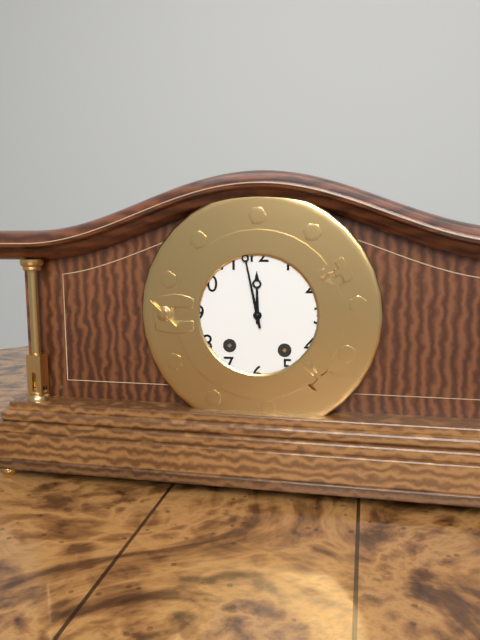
11:58
